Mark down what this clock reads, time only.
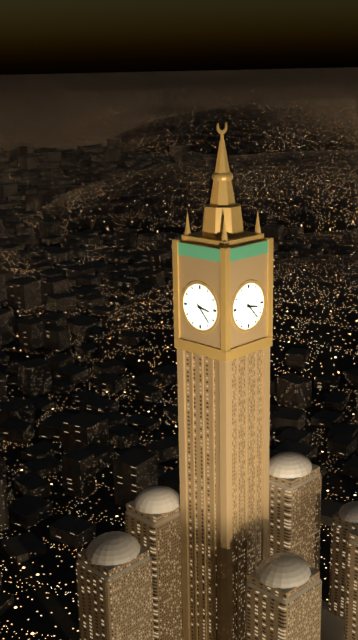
3:23
